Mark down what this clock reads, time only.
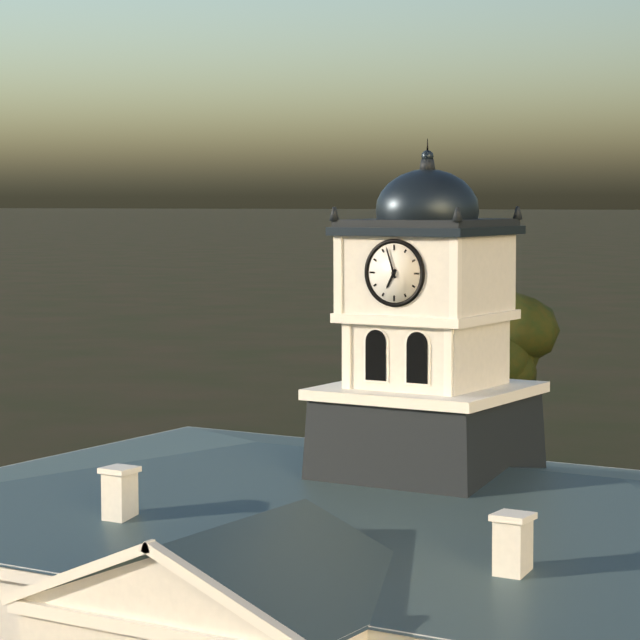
6:57
